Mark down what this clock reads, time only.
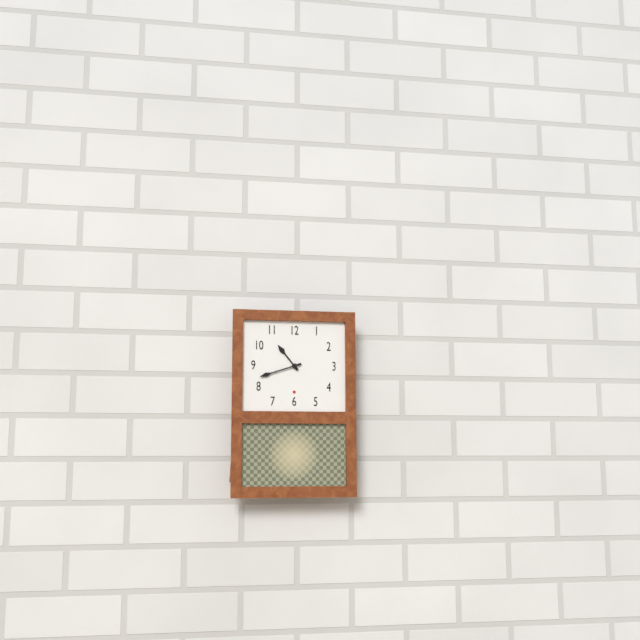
10:42
